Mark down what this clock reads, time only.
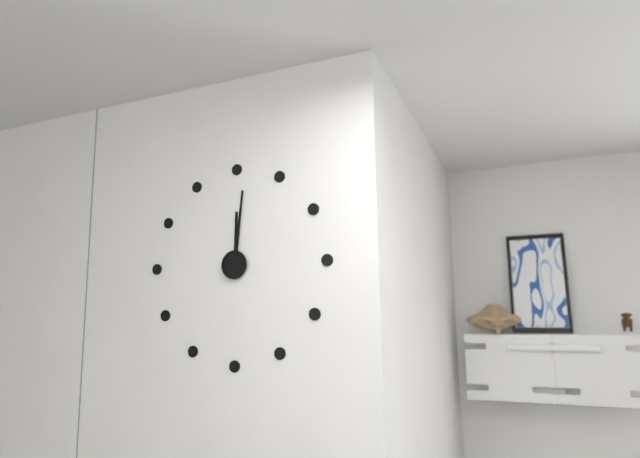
12:01
